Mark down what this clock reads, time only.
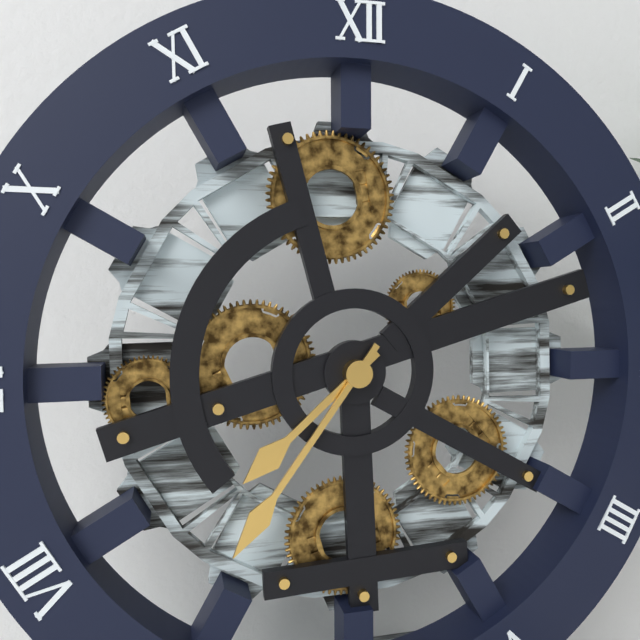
7:36
